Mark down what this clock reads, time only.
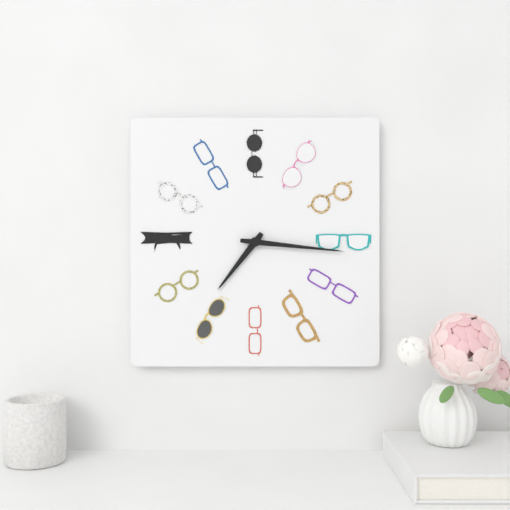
7:16
